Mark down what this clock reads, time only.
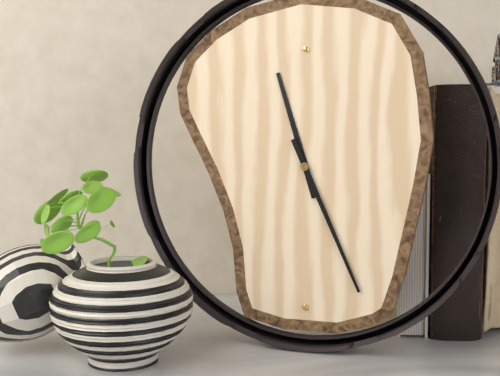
11:26
